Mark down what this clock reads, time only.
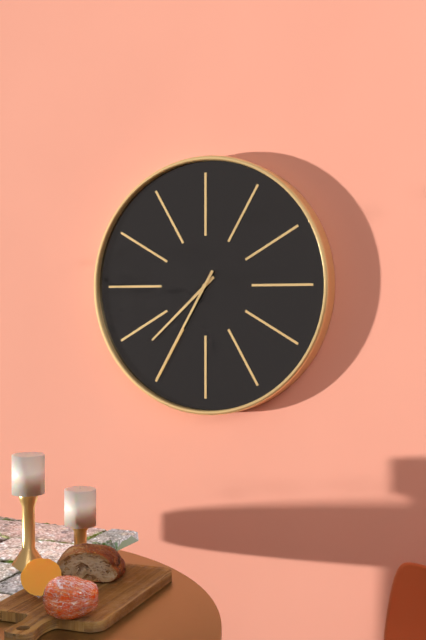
7:35
